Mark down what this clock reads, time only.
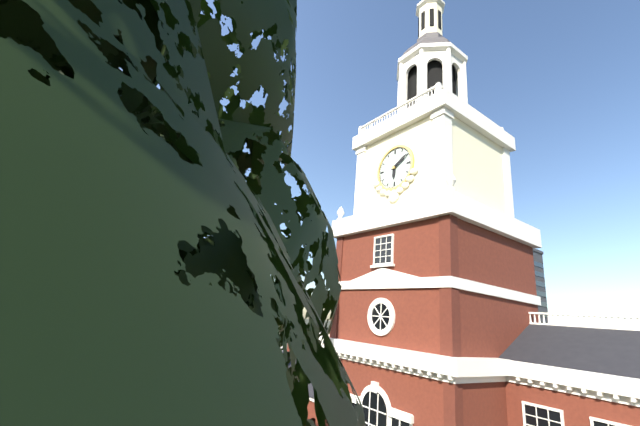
6:10
